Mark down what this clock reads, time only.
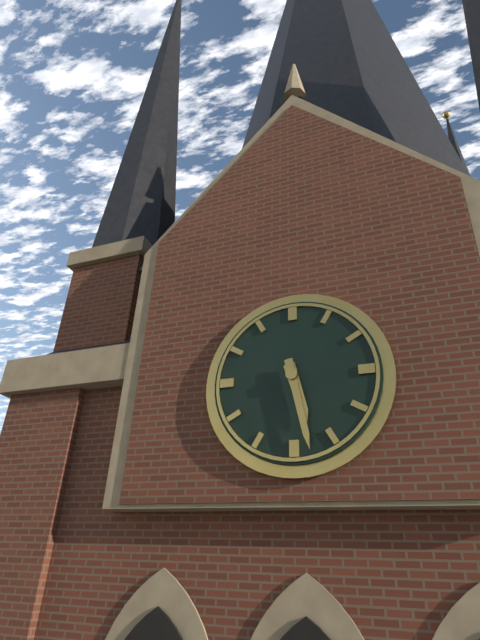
5:28
